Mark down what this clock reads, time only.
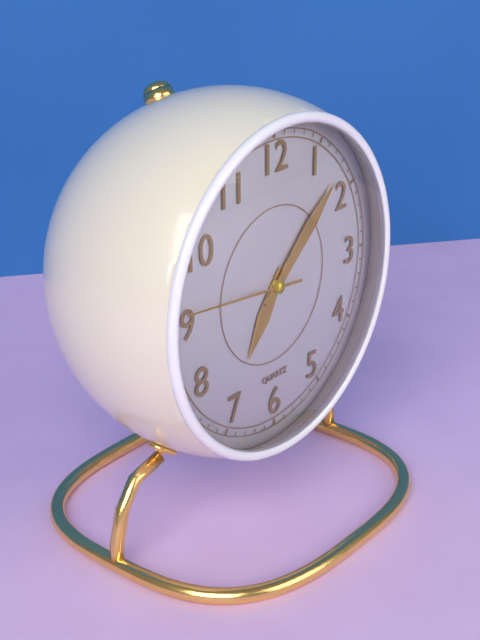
7:08:46
